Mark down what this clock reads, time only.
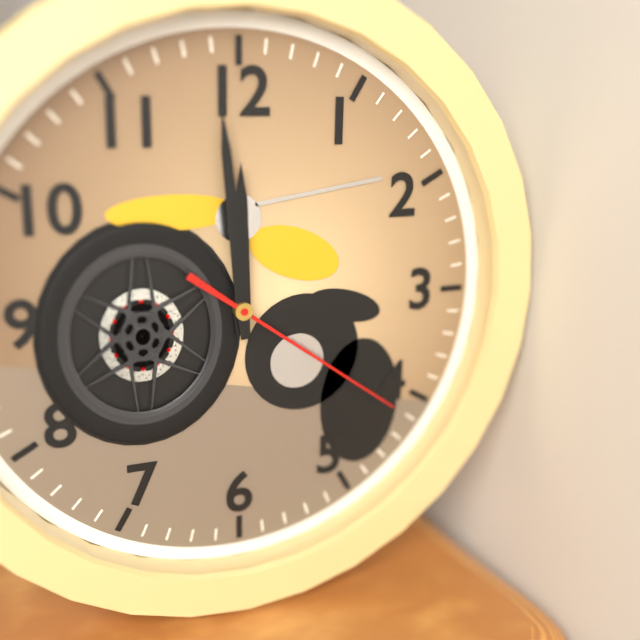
11:59:21
